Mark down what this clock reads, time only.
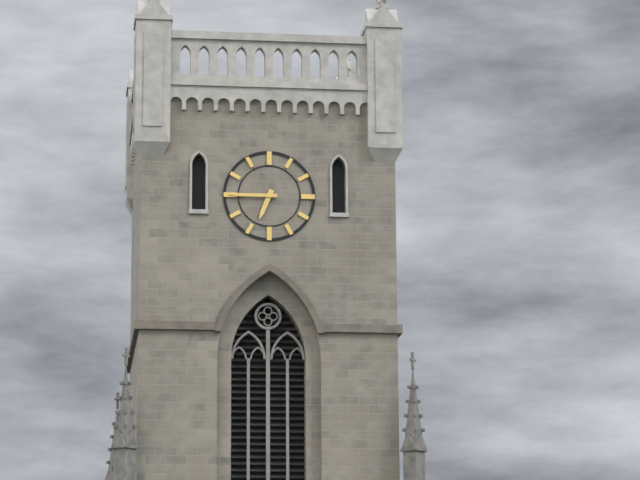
6:45
